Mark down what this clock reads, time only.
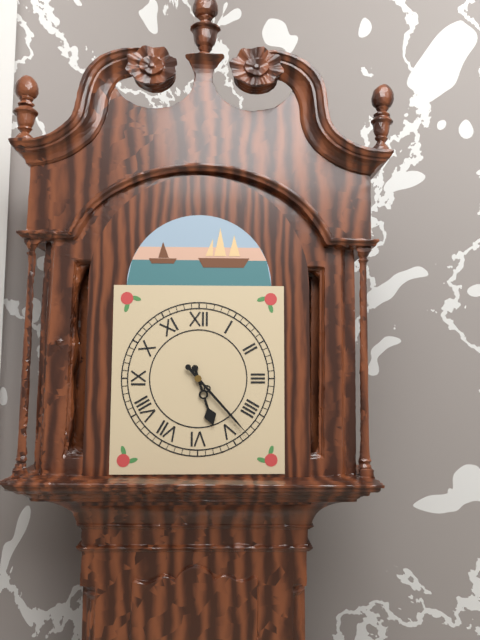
5:23
